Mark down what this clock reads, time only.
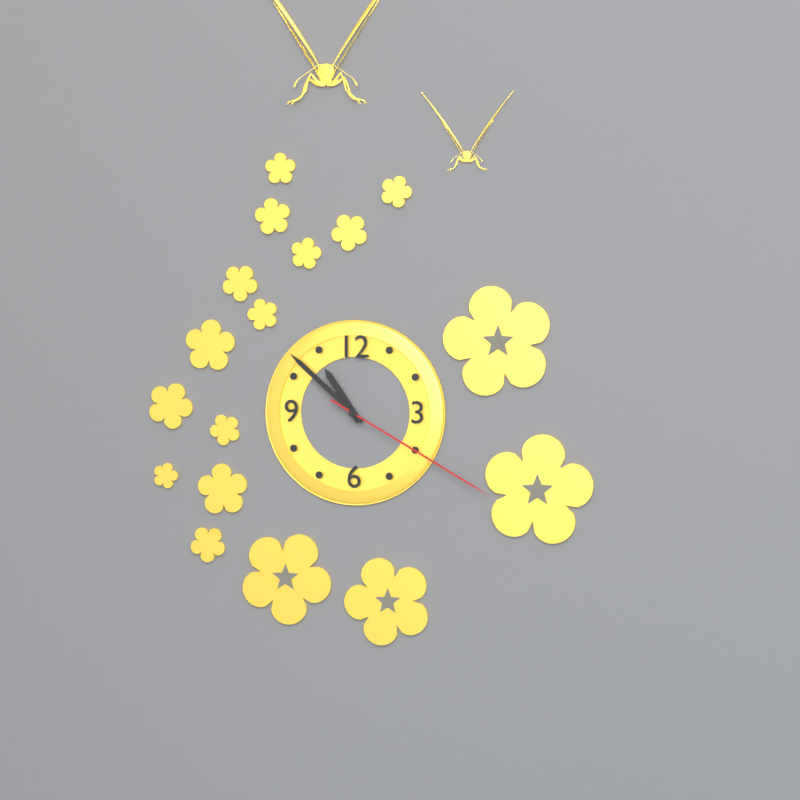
10:52:20
